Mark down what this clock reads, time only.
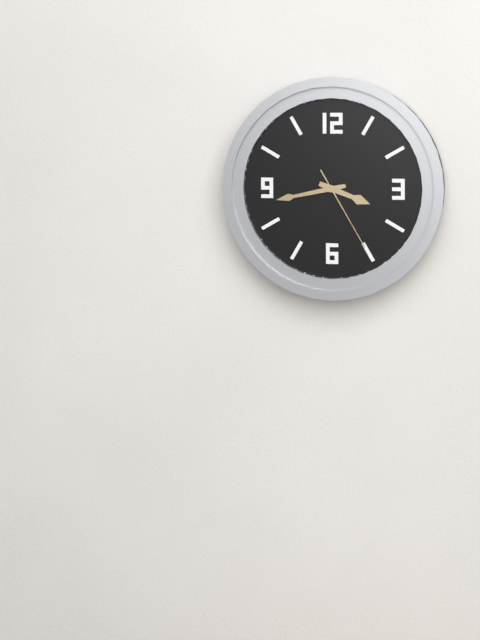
3:43:25
